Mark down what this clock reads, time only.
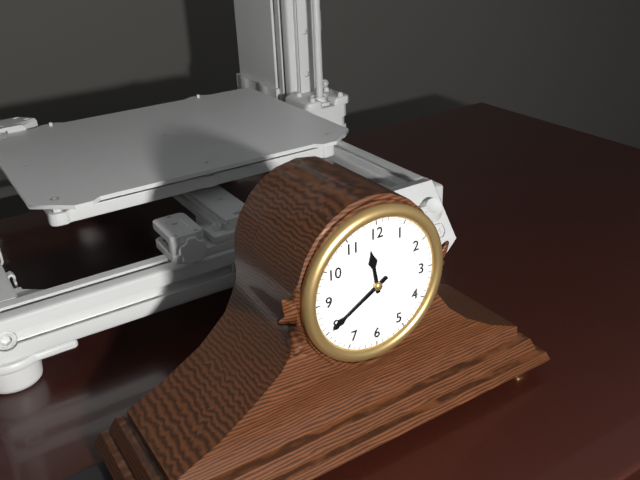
11:40
